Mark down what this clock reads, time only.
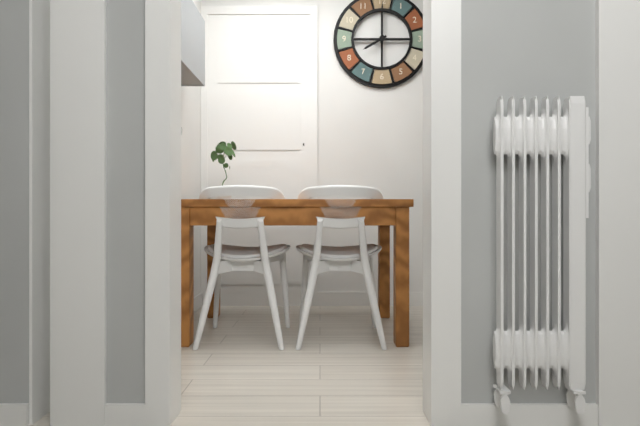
8:00
